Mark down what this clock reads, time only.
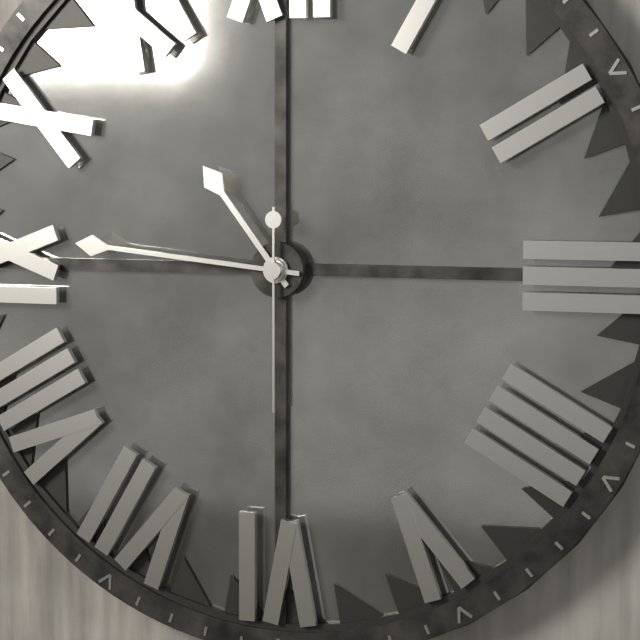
10:46:30
